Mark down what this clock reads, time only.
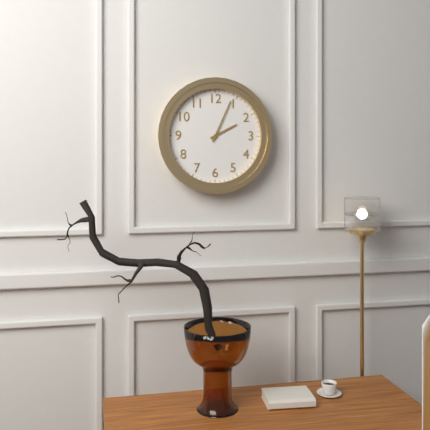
2:04
